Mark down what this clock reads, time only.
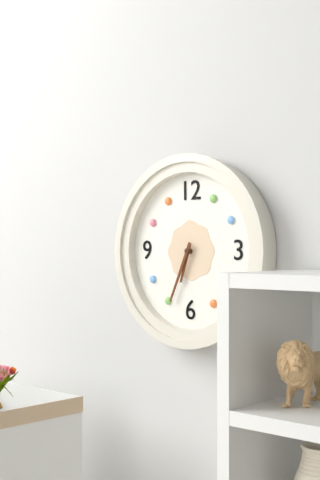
6:34
